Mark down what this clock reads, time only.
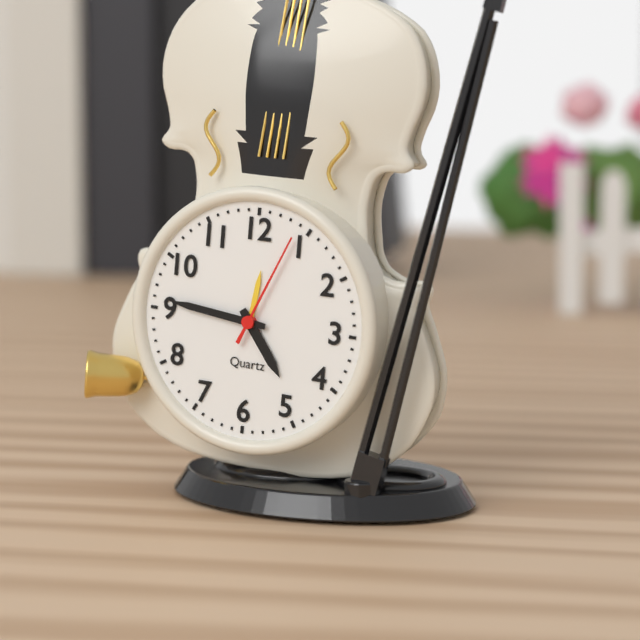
4:46:04
